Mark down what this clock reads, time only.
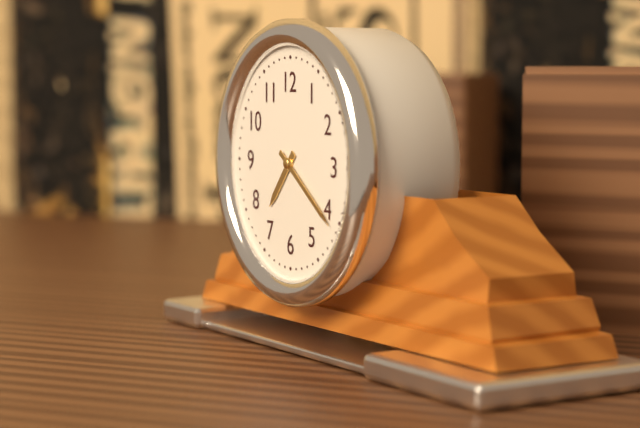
7:21
